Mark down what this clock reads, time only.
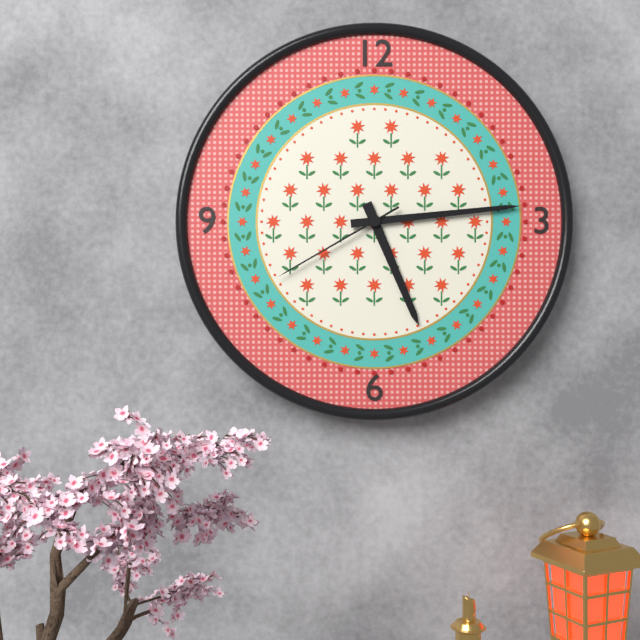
5:14:40
